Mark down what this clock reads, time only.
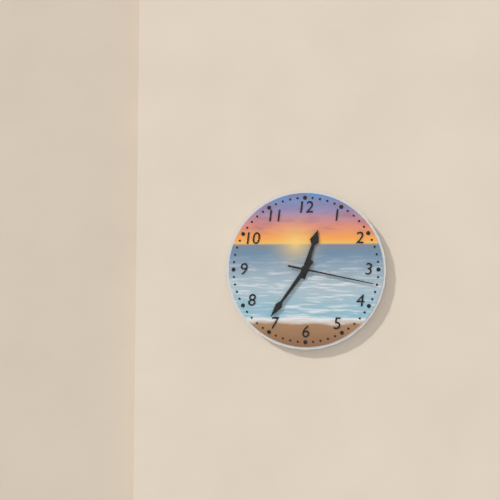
12:36:17
